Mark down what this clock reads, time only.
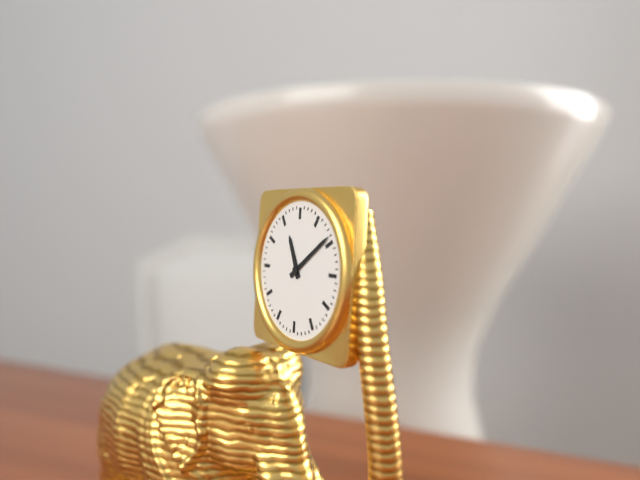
11:09
